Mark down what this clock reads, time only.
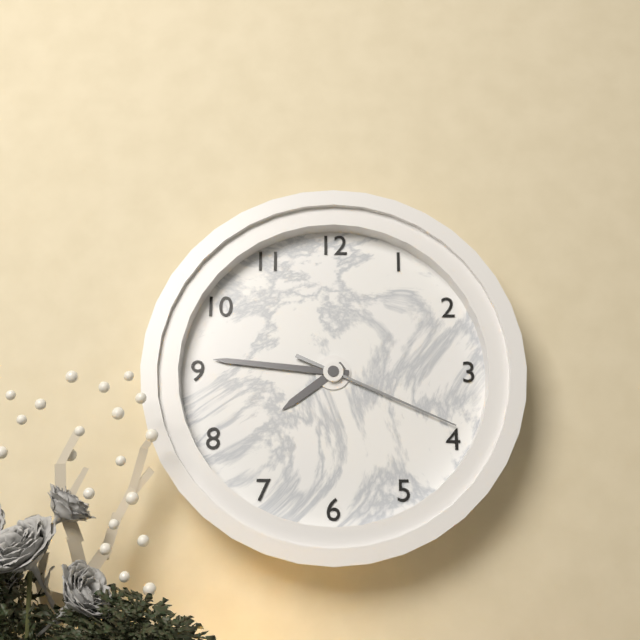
7:46:19
